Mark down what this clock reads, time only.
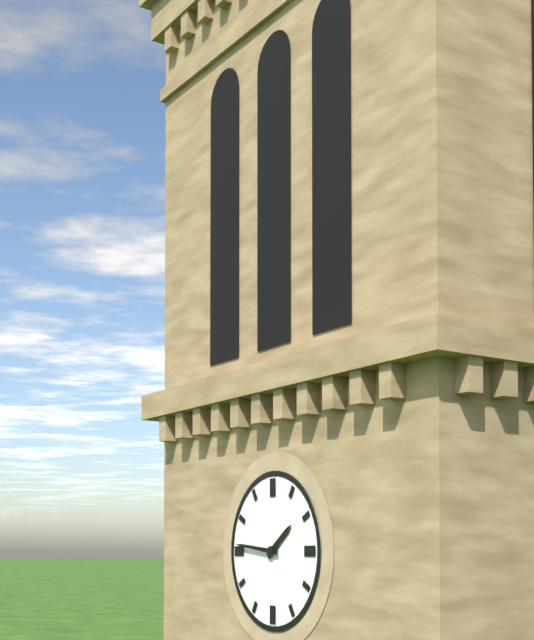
1:46
